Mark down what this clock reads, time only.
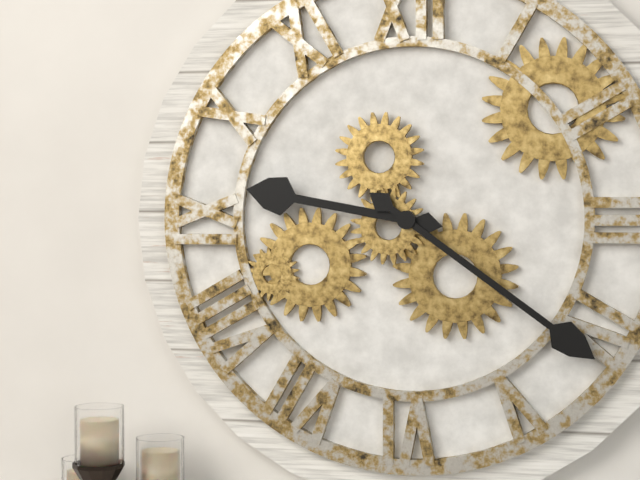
9:21
